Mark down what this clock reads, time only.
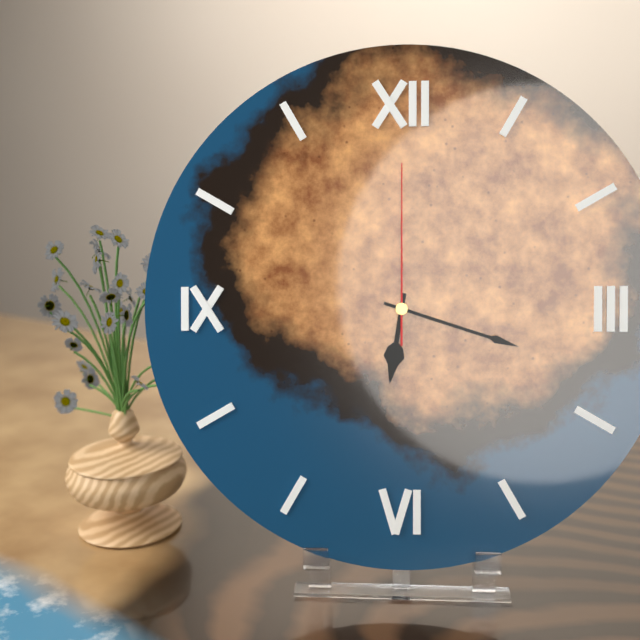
6:18:00
